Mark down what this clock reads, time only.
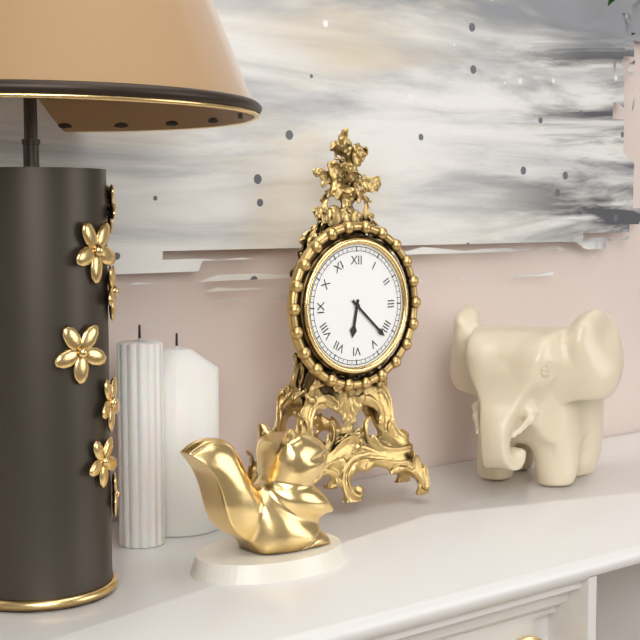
6:22
